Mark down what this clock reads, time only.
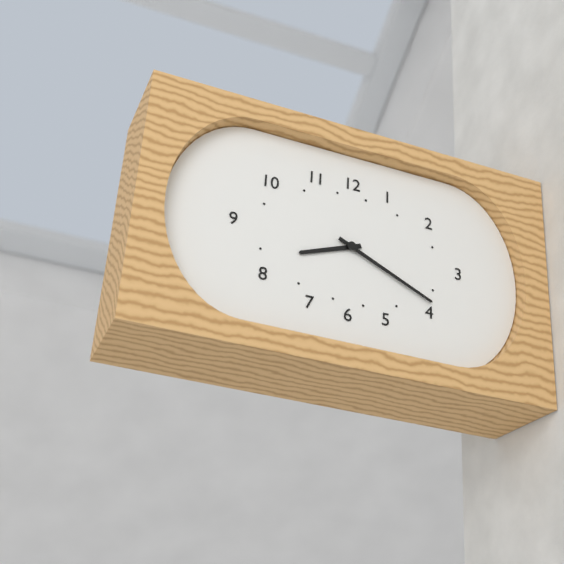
8:19
